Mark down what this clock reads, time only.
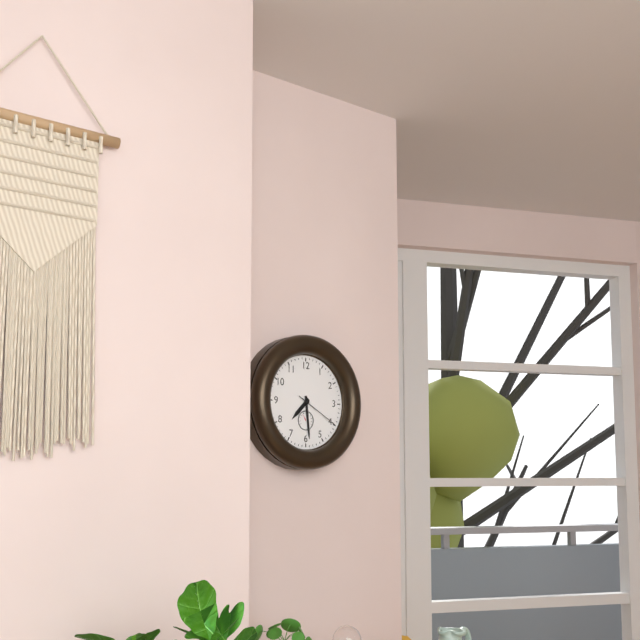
7:29
